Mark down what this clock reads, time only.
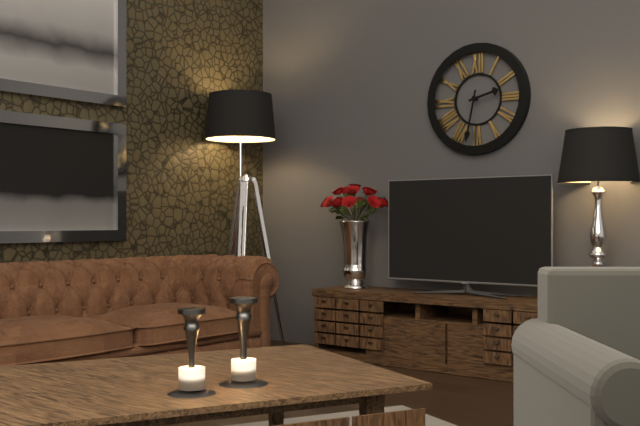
2:32
